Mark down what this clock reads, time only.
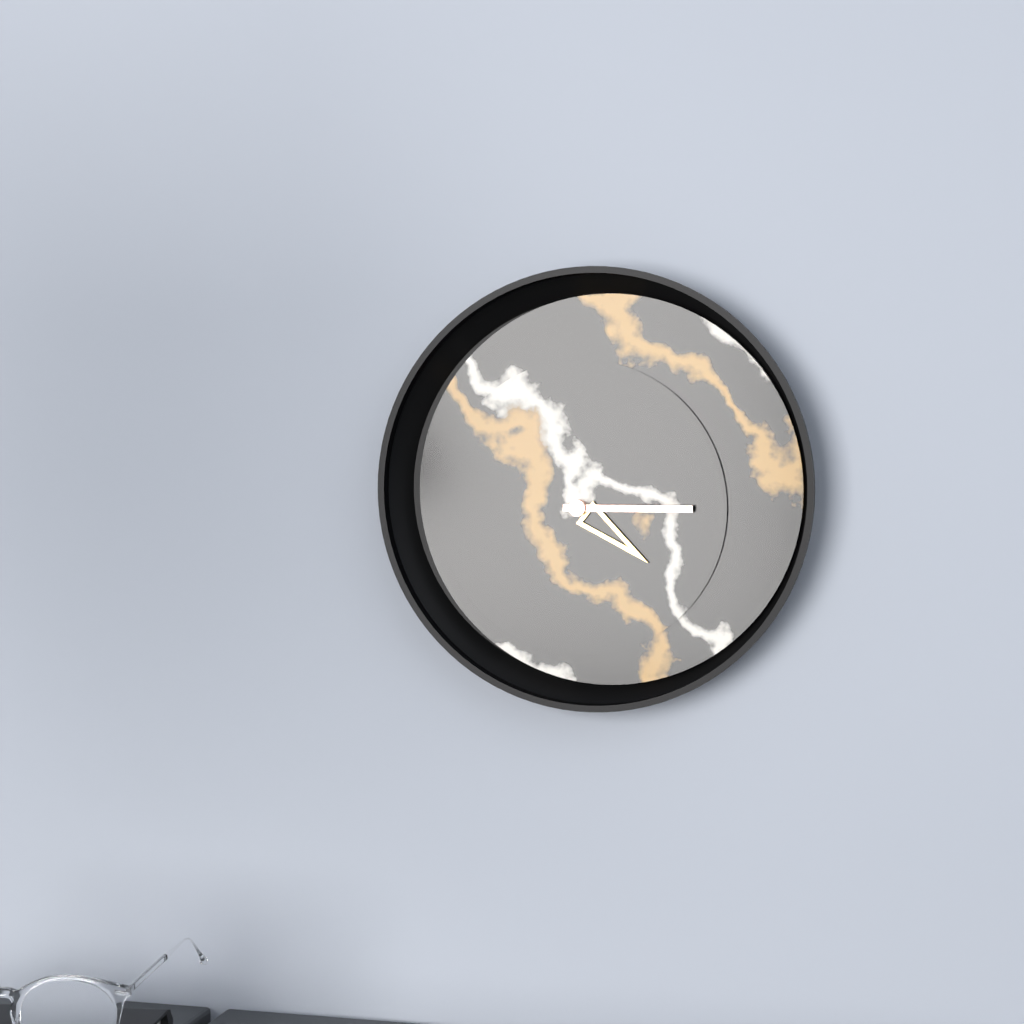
4:15
